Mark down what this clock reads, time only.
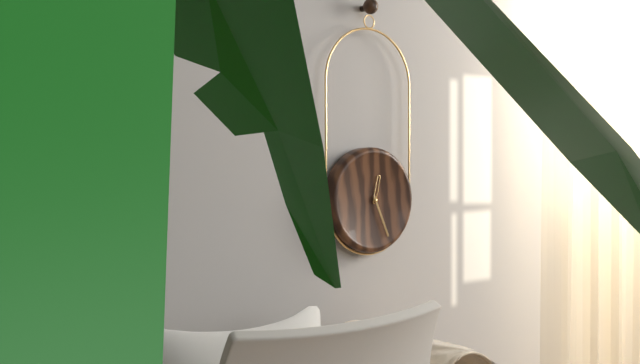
12:26
